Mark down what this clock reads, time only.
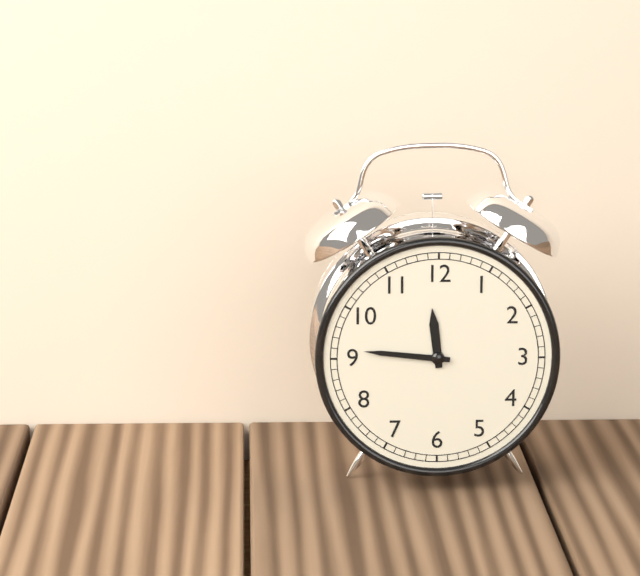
11:46
